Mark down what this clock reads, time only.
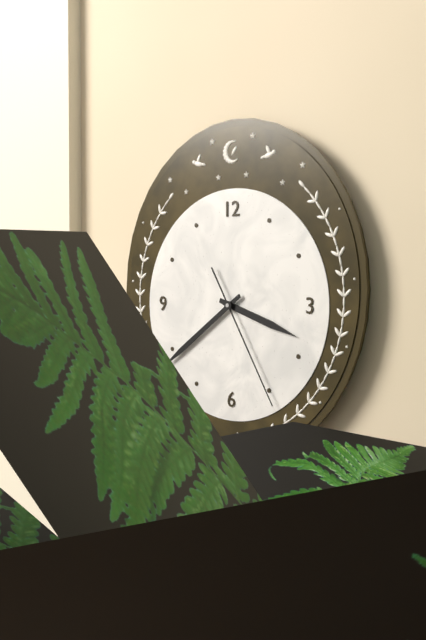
3:39:25
